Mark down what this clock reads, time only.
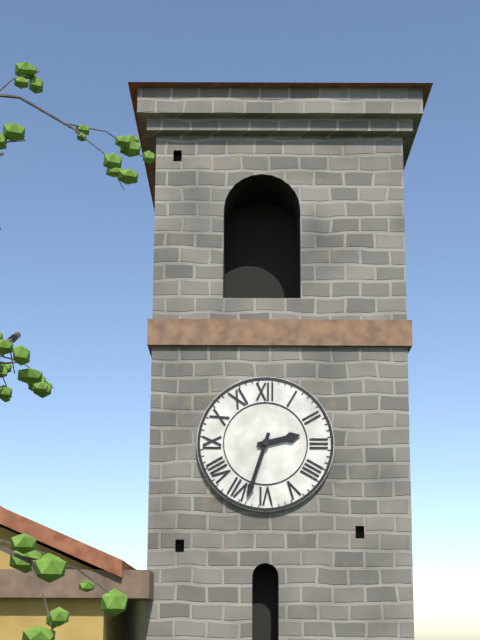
2:33
